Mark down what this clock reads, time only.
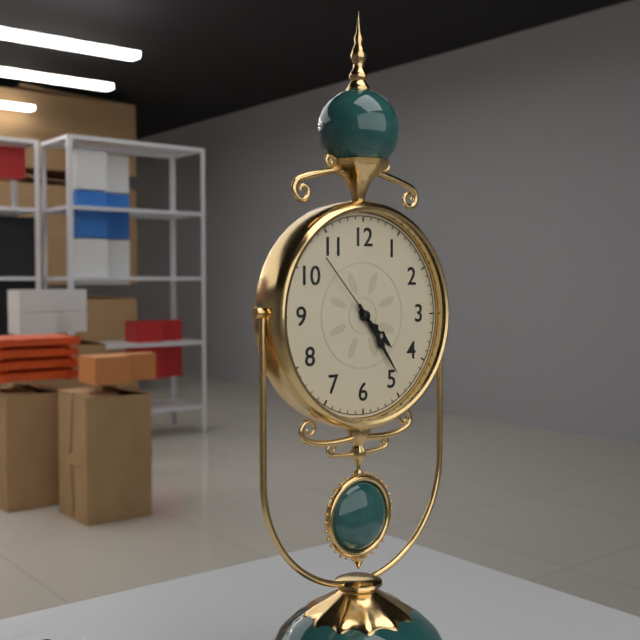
4:24:53
